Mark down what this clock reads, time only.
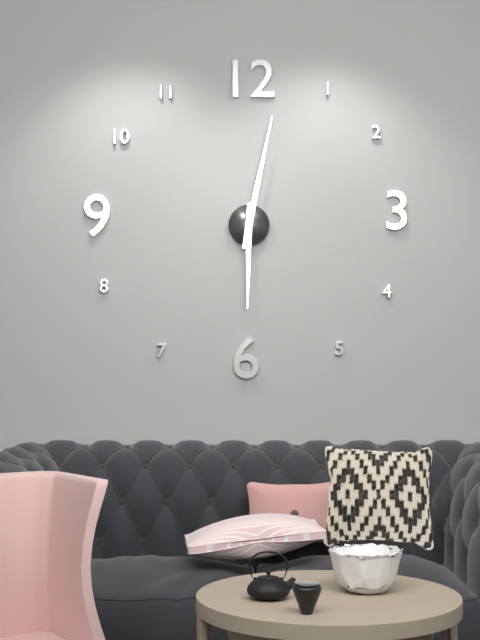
6:02
